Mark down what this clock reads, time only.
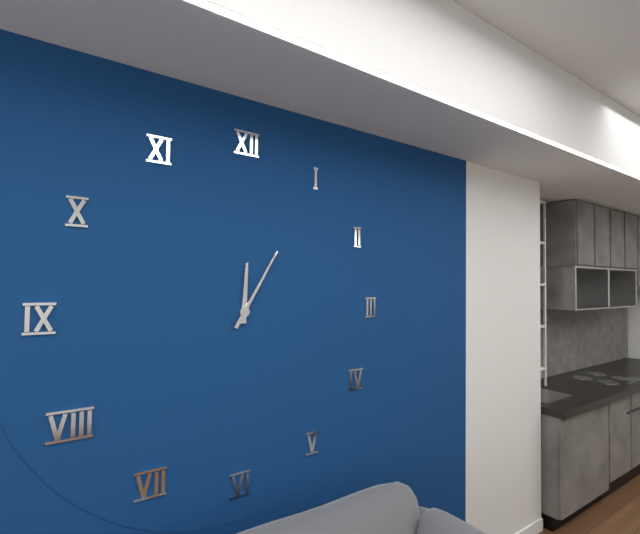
12:05
